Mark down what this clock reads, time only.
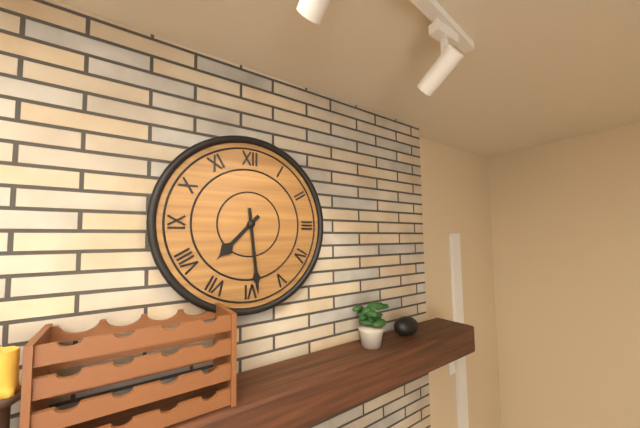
7:29
